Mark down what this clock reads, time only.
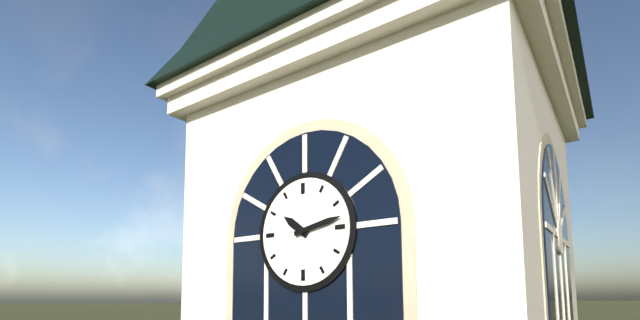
10:13
